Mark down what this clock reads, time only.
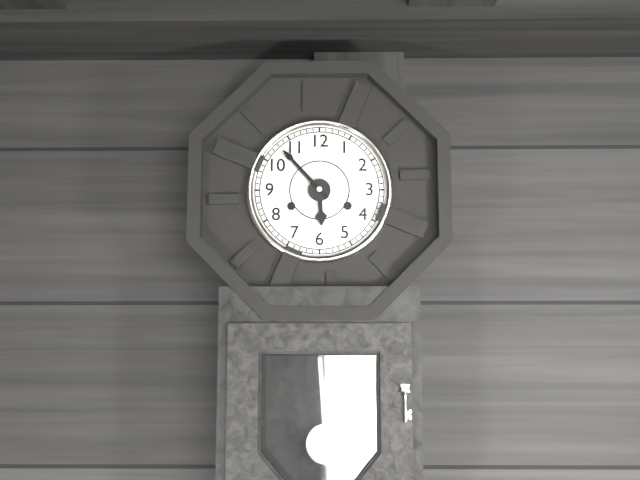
5:53
